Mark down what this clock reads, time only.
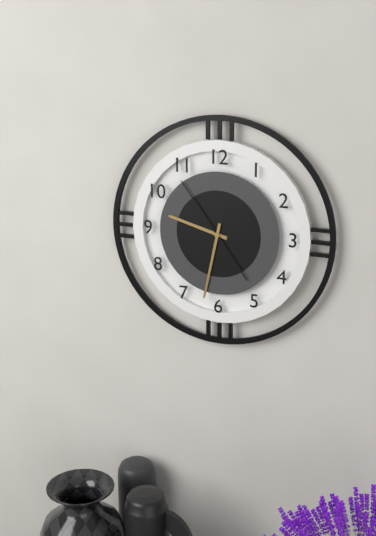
9:32:54
